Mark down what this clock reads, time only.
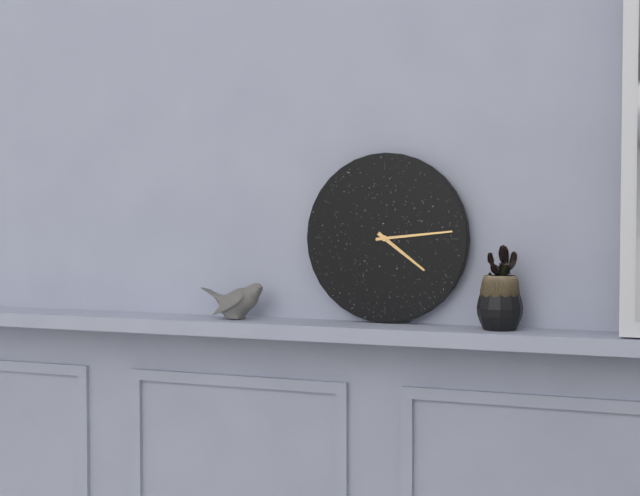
4:14
